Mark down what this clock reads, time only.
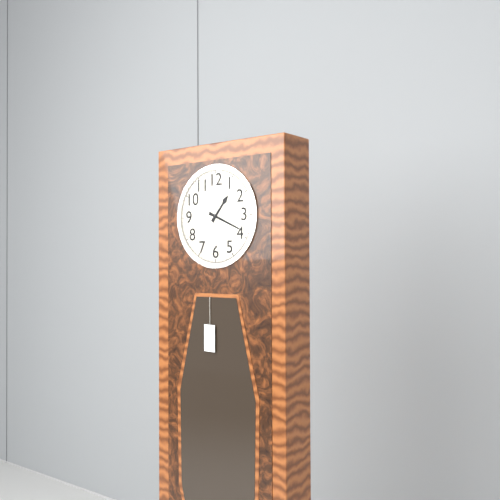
1:19
